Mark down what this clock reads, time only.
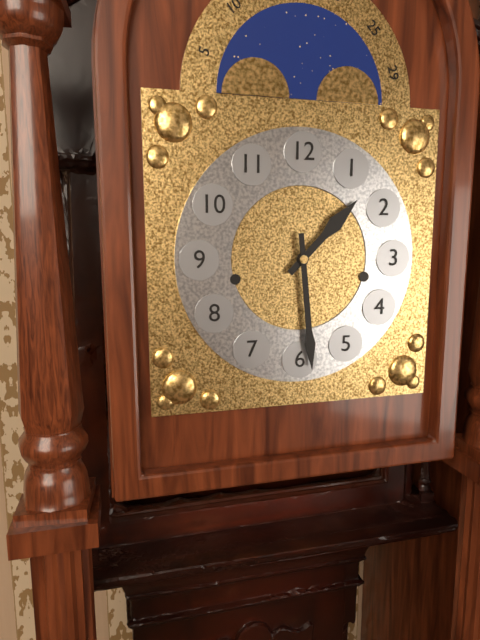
1:29
